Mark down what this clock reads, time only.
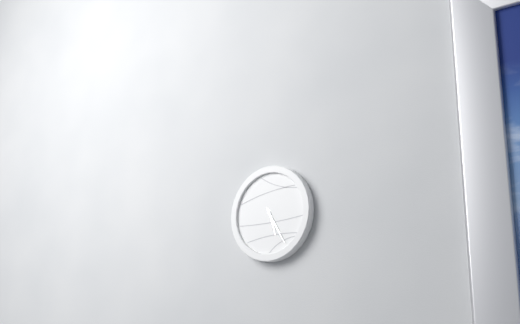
5:25
